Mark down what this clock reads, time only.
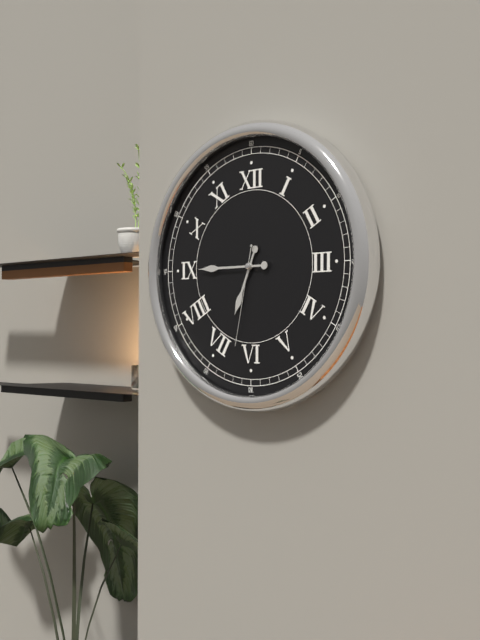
6:45:32
